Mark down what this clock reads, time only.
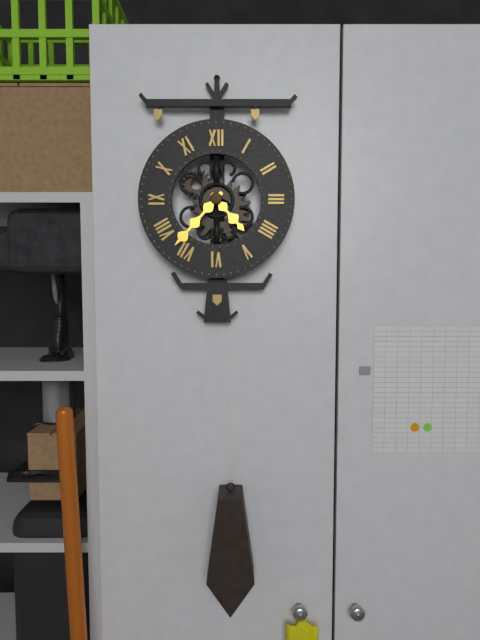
4:37
